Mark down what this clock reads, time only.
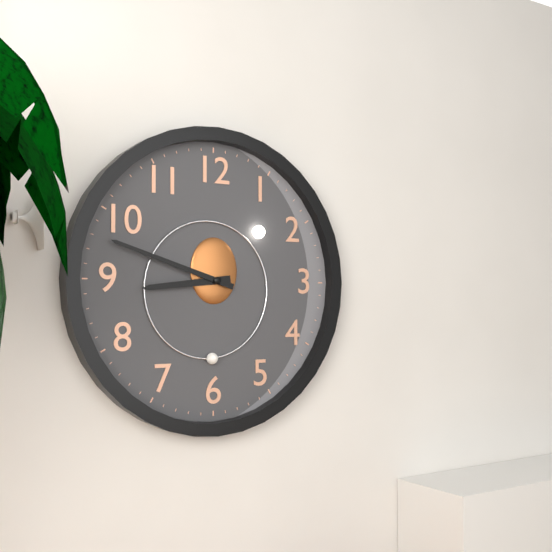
8:48
